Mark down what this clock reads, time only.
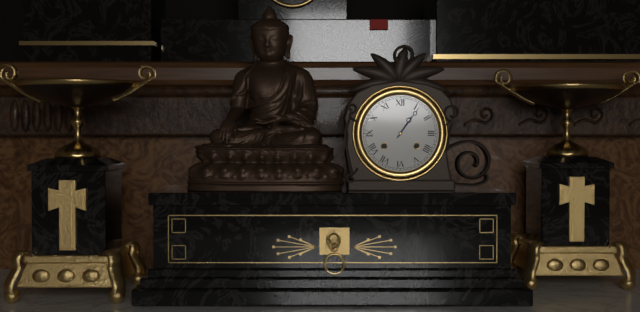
1:06
